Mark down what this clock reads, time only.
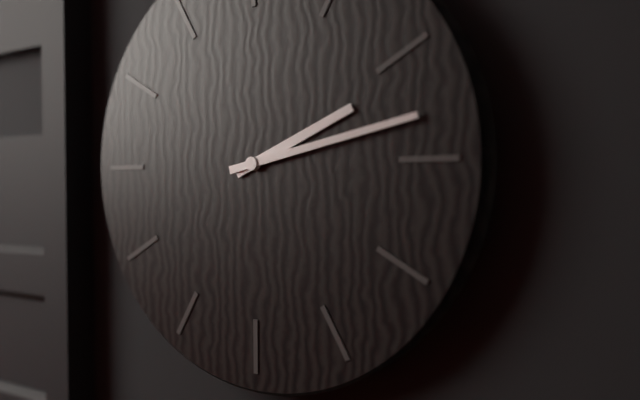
2:13
